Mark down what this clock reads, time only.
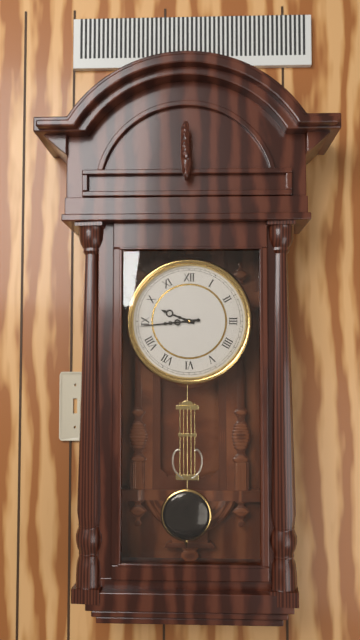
9:44
